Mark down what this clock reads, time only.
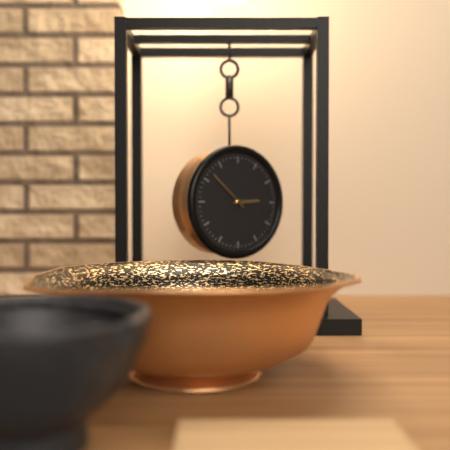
2:52
